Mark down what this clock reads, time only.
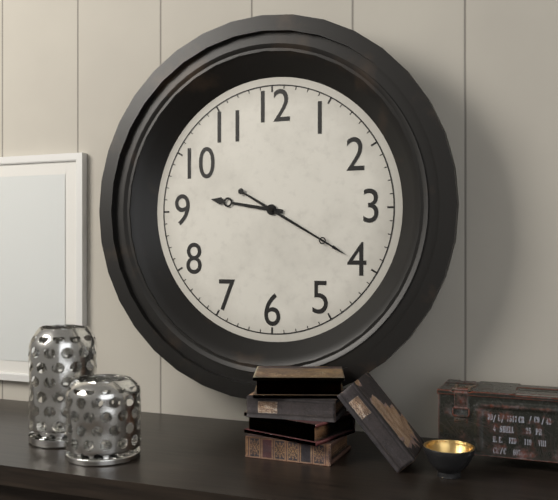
9:20
